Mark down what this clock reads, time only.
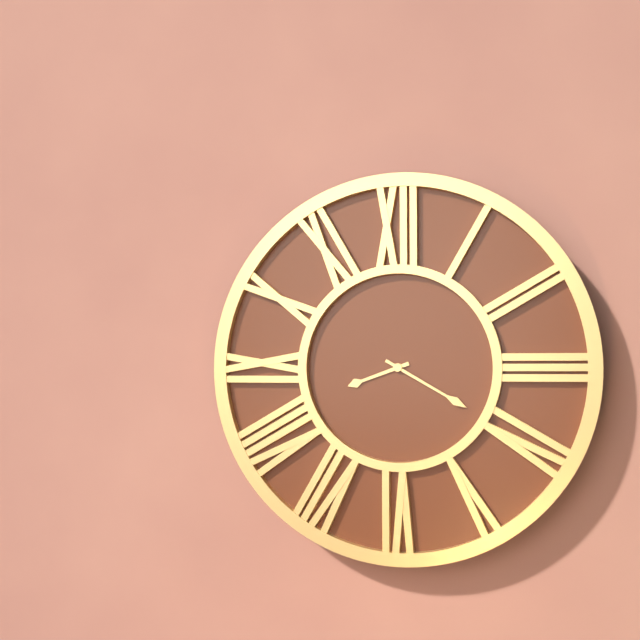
8:20
